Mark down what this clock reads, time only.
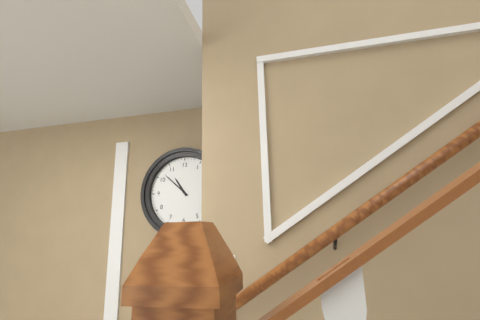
10:52
